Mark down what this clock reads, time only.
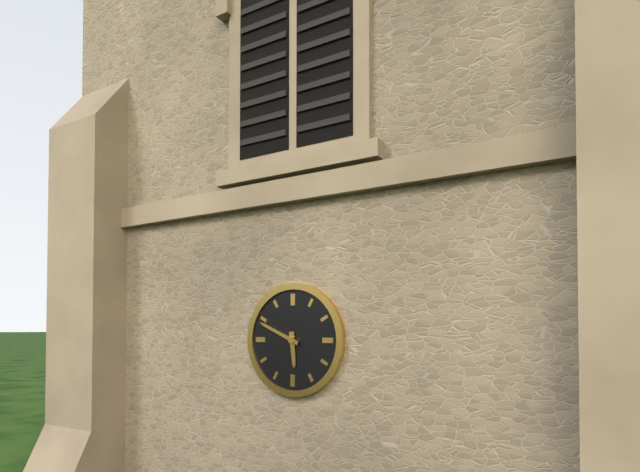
5:49
